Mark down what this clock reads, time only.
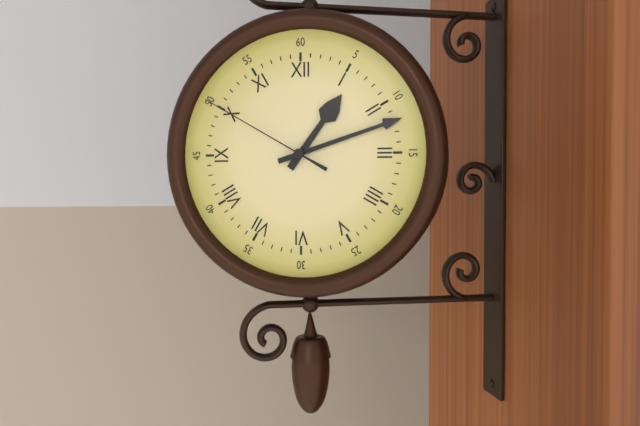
1:12:50
